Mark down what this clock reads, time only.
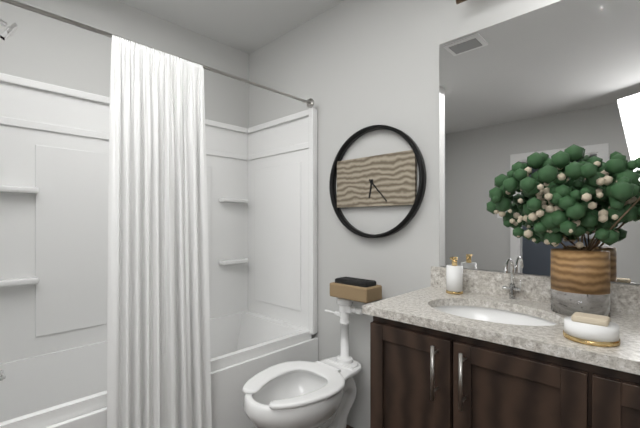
6:23
